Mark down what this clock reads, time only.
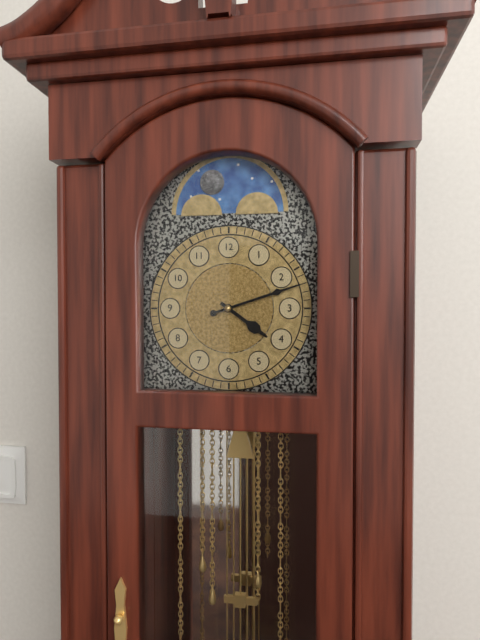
4:12
